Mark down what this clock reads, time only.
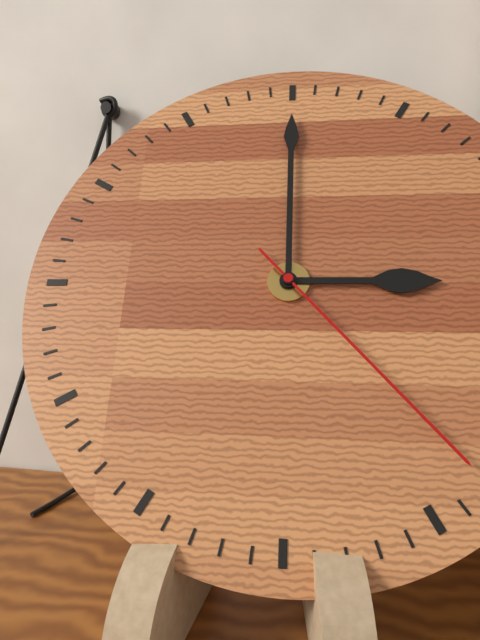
3:00:23
